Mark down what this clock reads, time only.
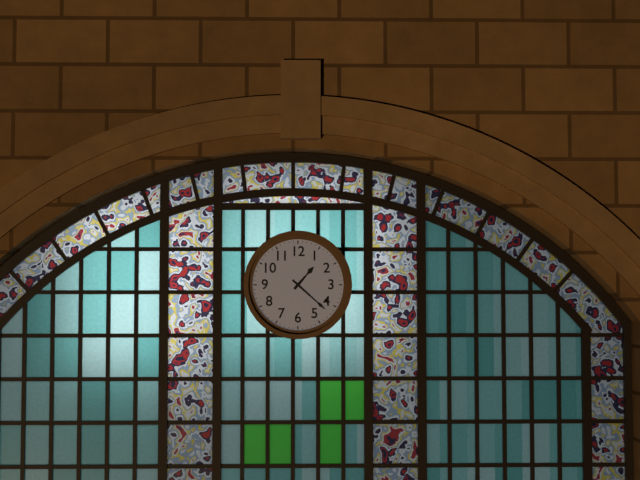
1:22
